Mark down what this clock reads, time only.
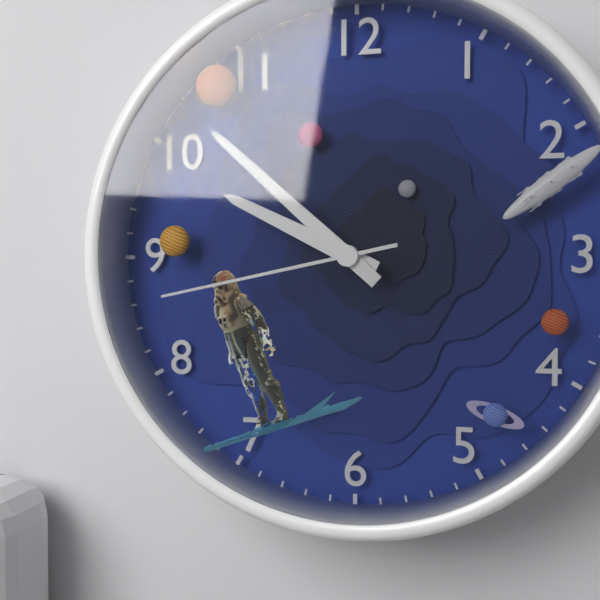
9:52:43
